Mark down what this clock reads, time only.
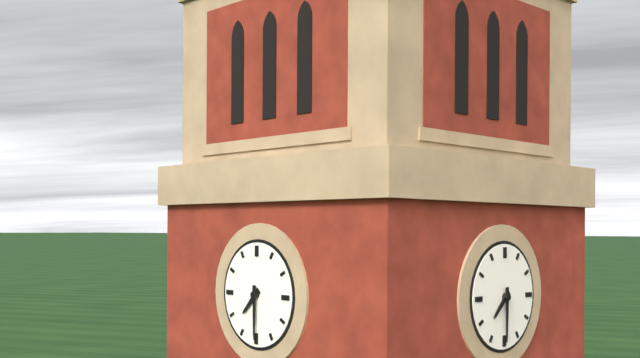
7:30
